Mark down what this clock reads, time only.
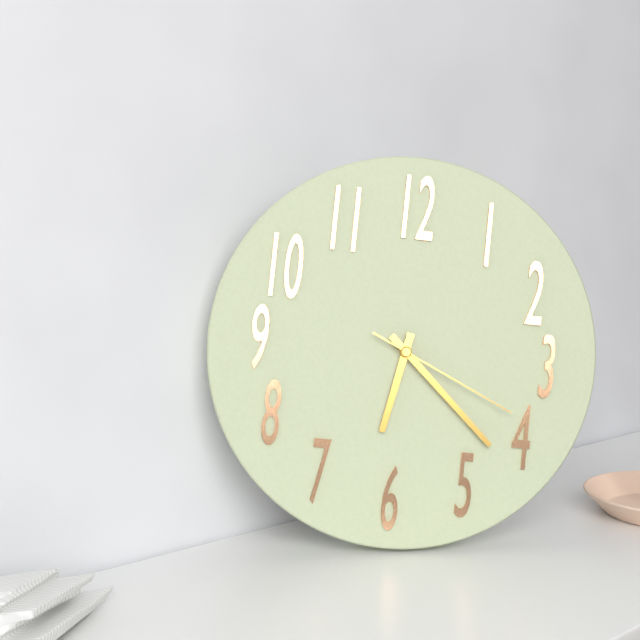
6:22:19
